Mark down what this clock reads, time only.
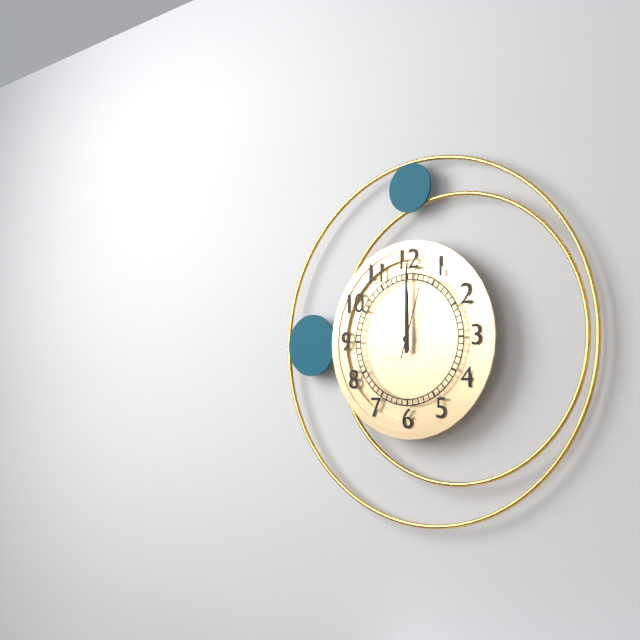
12:00:03
